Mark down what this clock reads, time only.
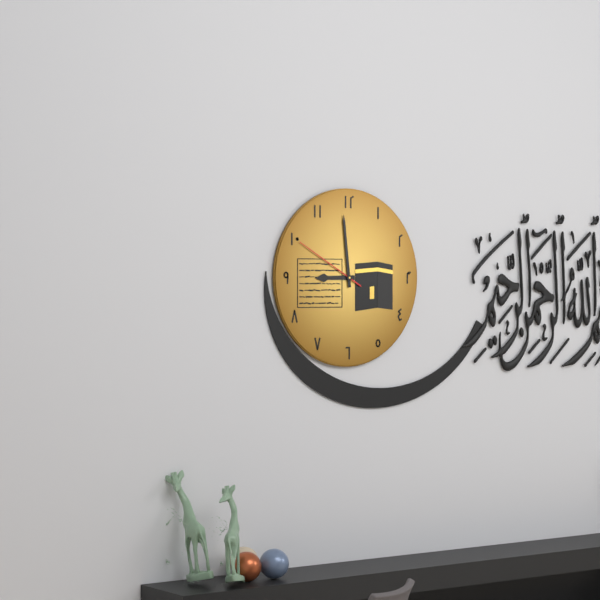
8:59:50
